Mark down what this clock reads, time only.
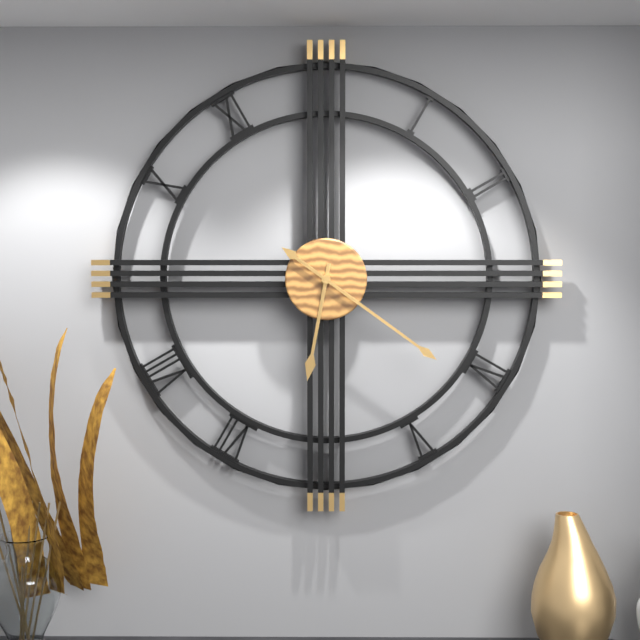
6:21
